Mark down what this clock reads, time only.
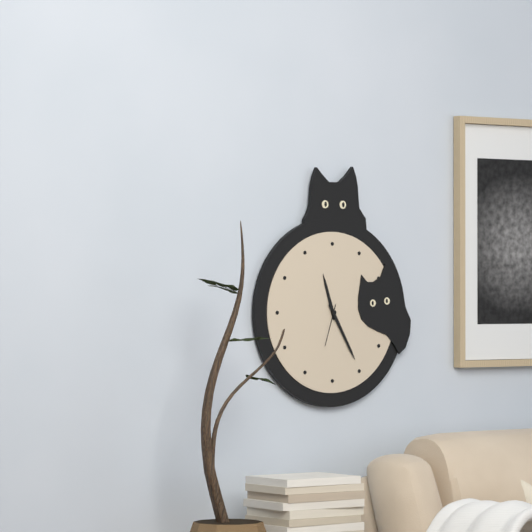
11:25
